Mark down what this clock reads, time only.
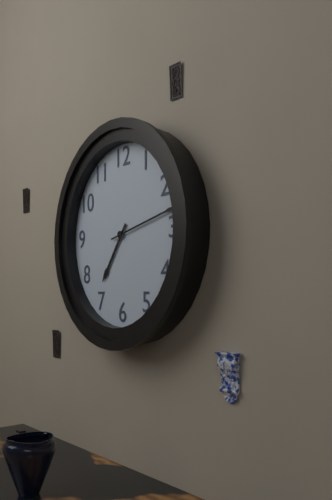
7:13
